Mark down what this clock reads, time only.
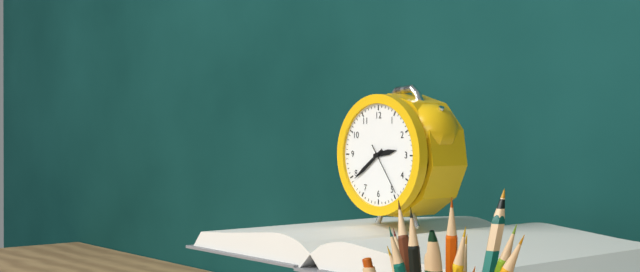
2:39:24
